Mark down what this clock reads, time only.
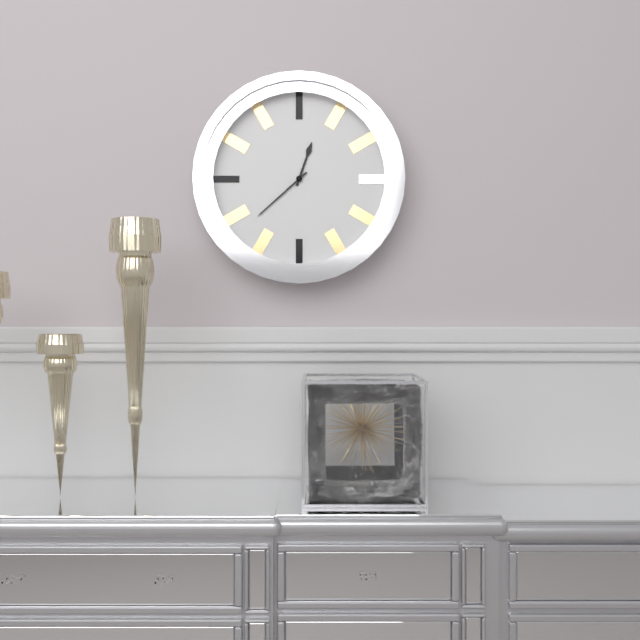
12:38
